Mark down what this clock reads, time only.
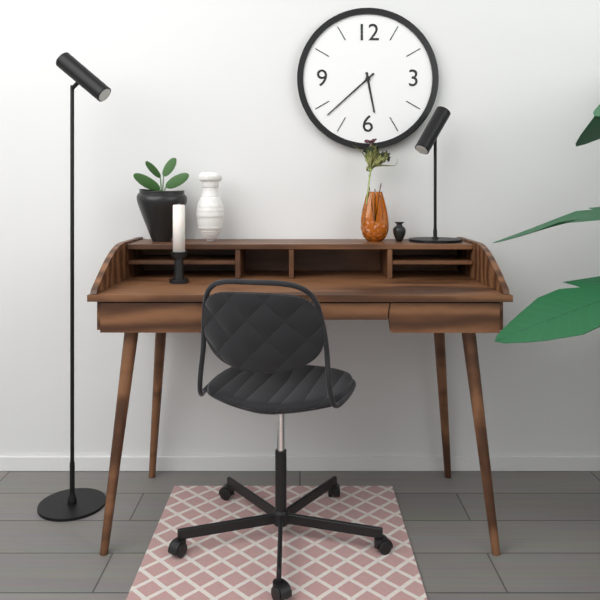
5:38
